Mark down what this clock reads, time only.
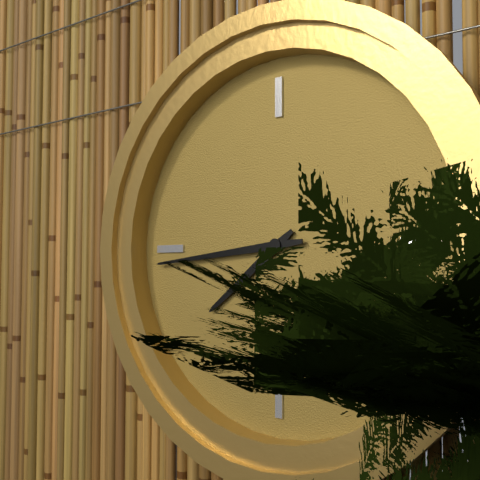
7:44
